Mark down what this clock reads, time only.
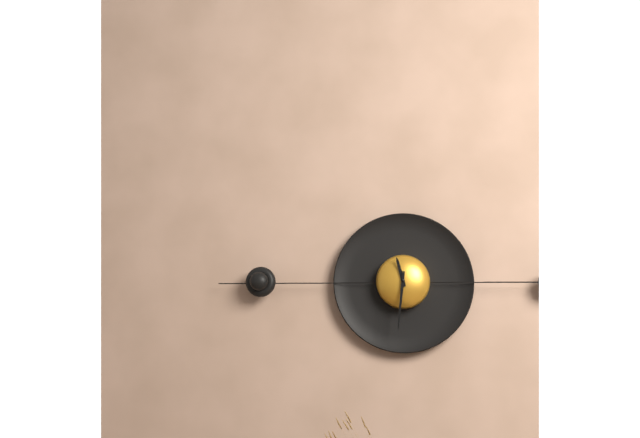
11:31
